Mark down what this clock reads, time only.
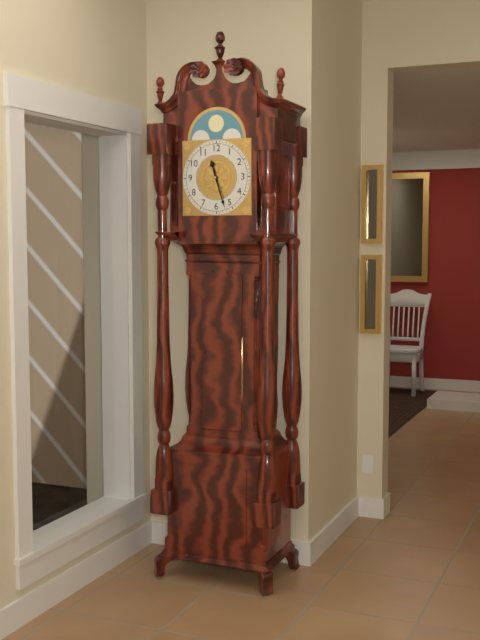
11:27
